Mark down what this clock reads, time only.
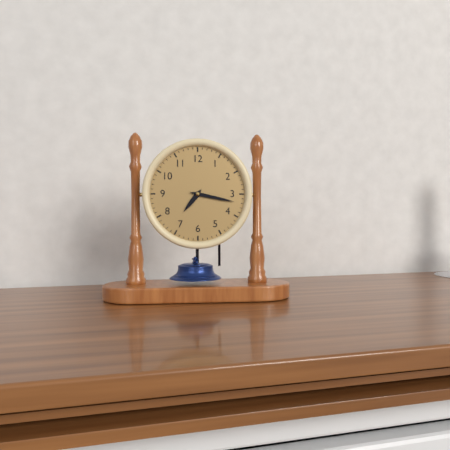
7:17
